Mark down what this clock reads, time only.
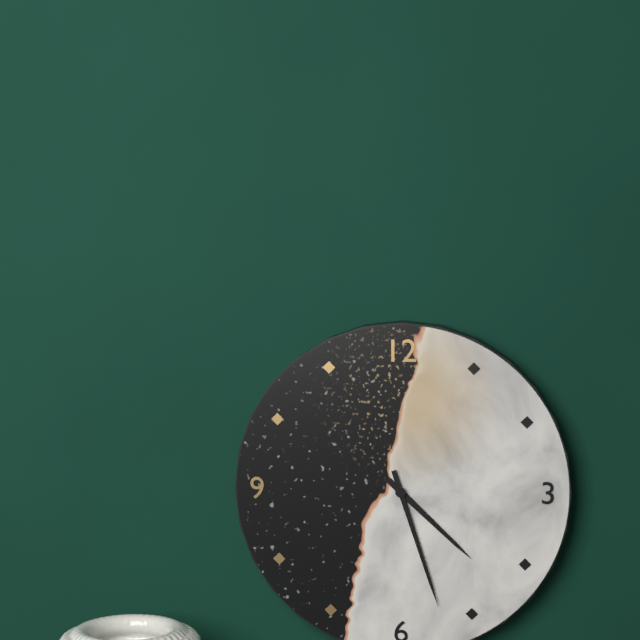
4:27
